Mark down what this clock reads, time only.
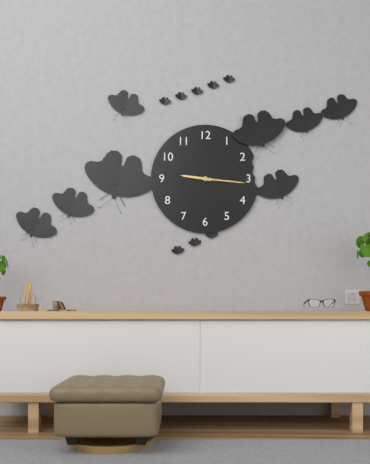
9:16
